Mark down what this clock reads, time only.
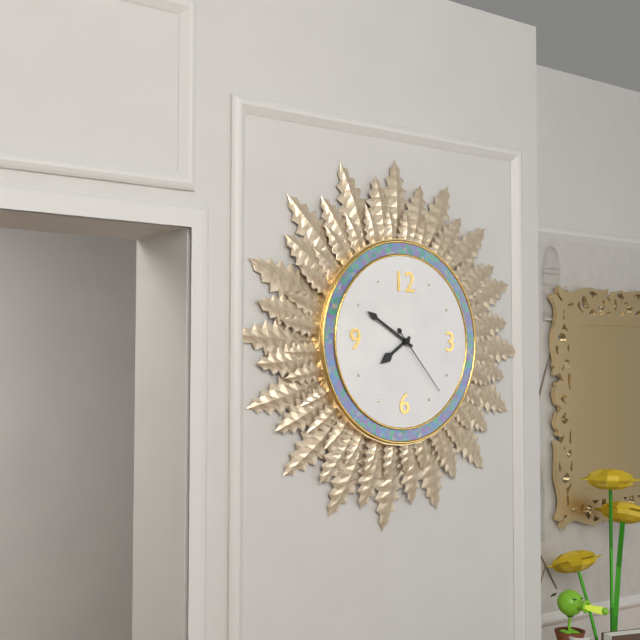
7:50:23
